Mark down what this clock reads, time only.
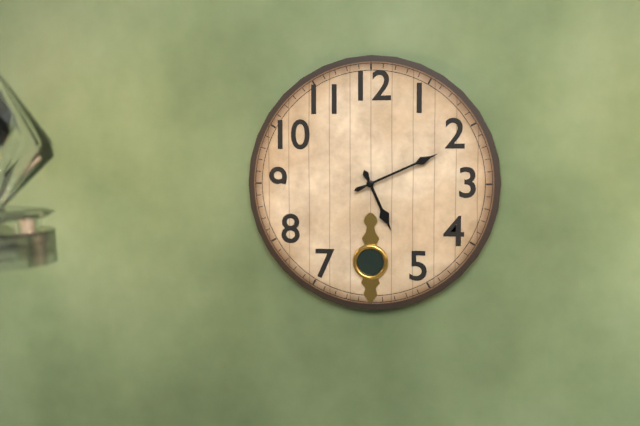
5:11
